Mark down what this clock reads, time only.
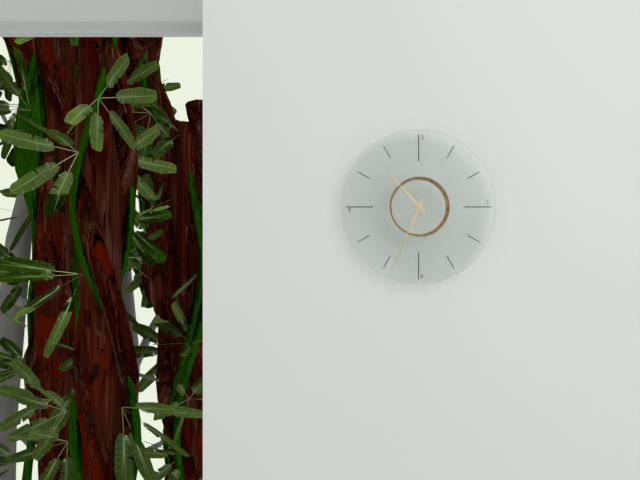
10:34
